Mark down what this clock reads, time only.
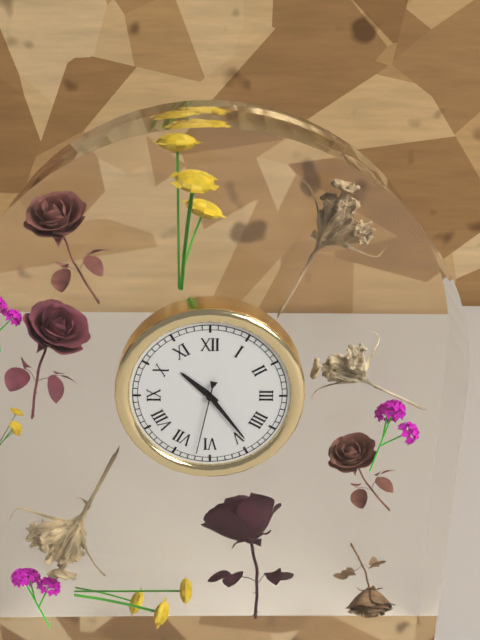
10:24:32
